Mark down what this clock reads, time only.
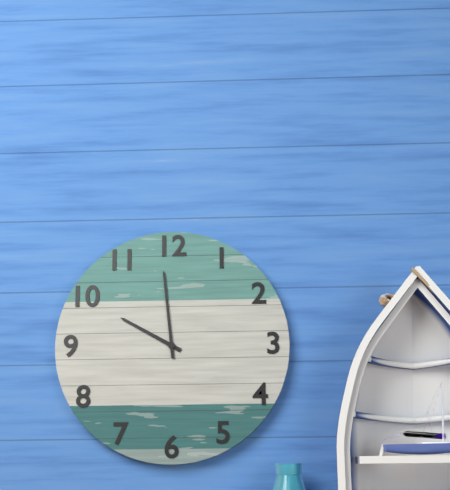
9:59
